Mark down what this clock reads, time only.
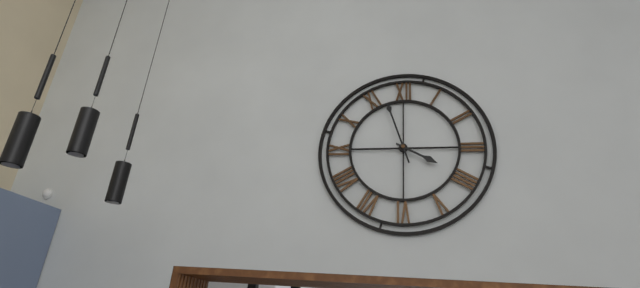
3:57
